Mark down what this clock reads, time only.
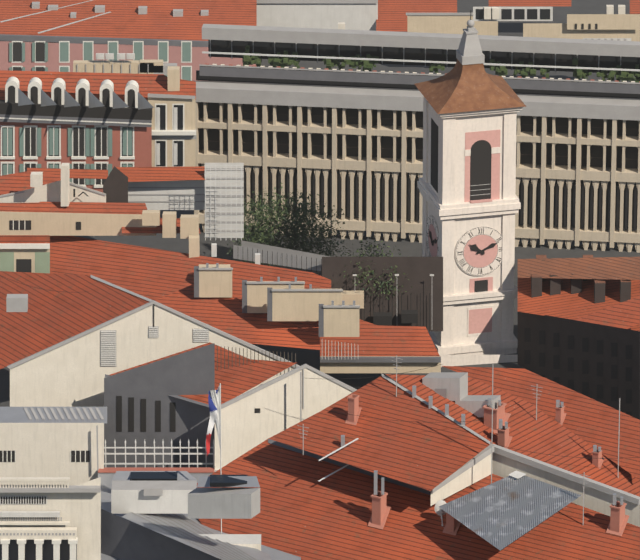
10:11
